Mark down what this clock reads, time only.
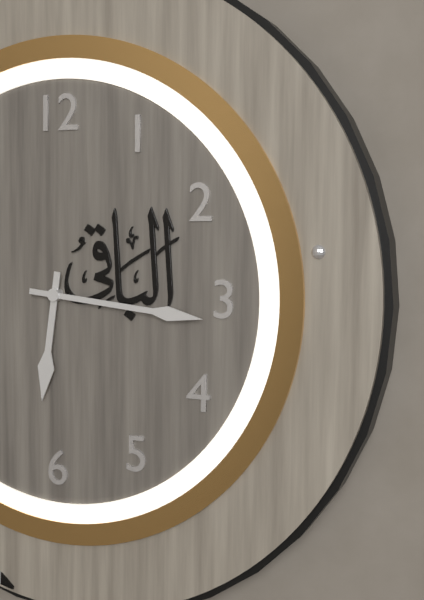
6:16
